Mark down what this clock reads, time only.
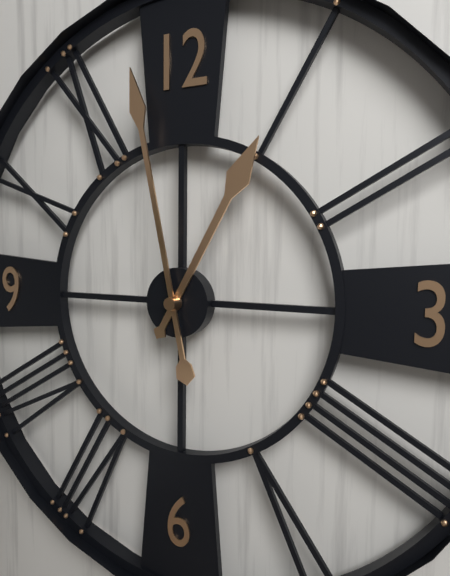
12:58
